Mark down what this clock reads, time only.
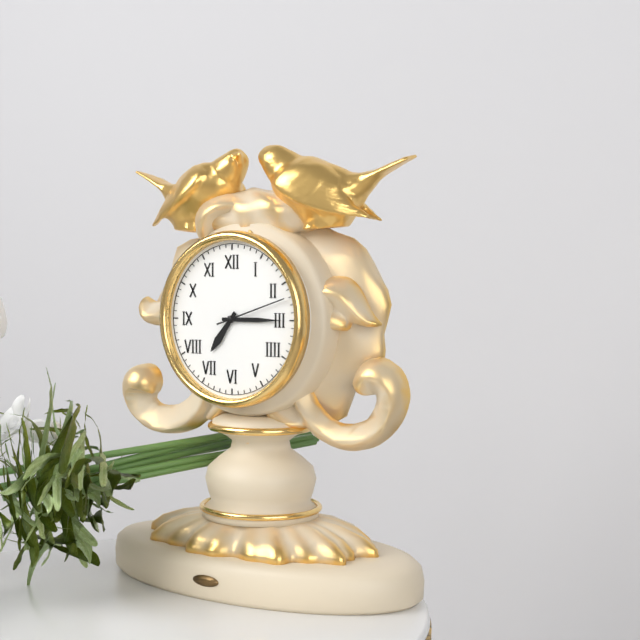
7:15:12
